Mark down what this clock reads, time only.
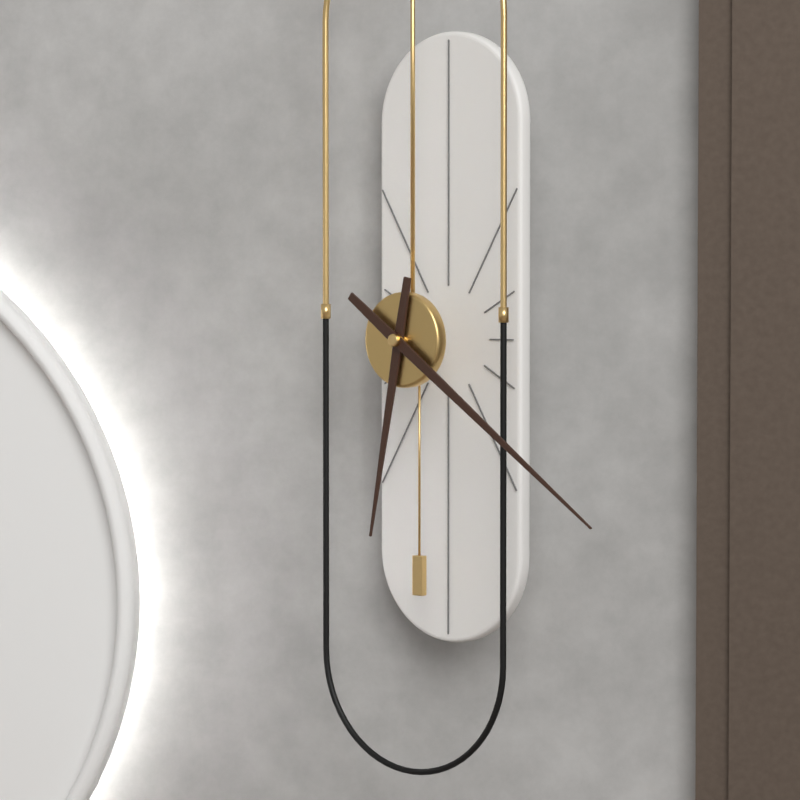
6:21
